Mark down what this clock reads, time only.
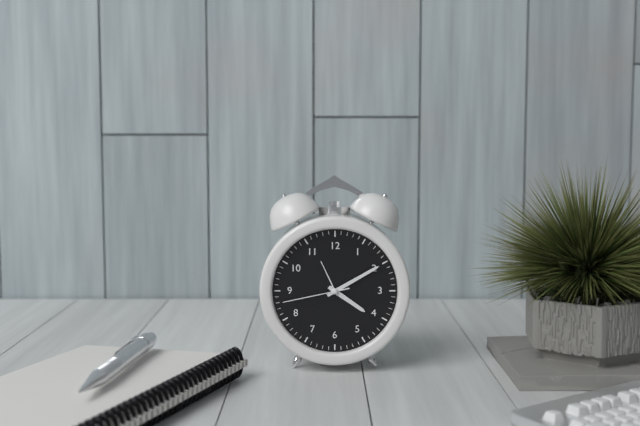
4:10:43
